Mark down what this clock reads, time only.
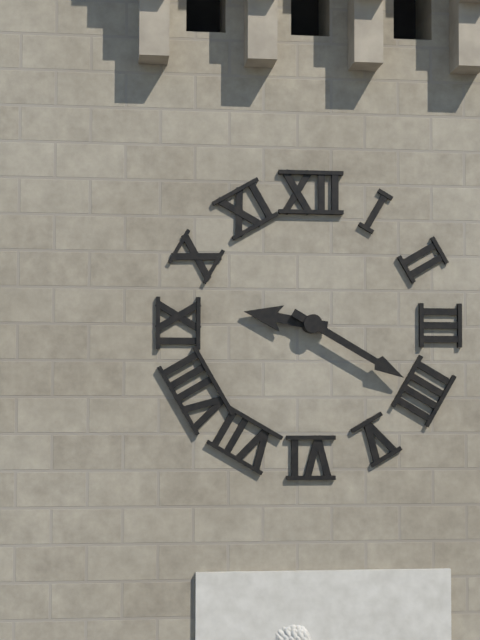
9:20
